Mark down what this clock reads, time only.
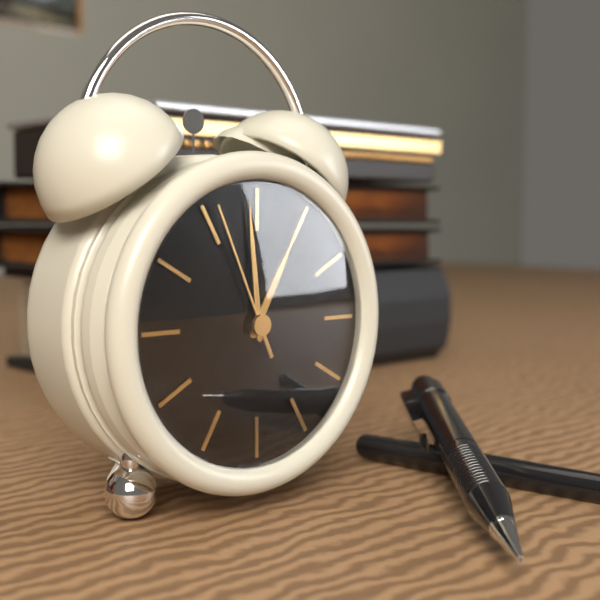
12:59:56
